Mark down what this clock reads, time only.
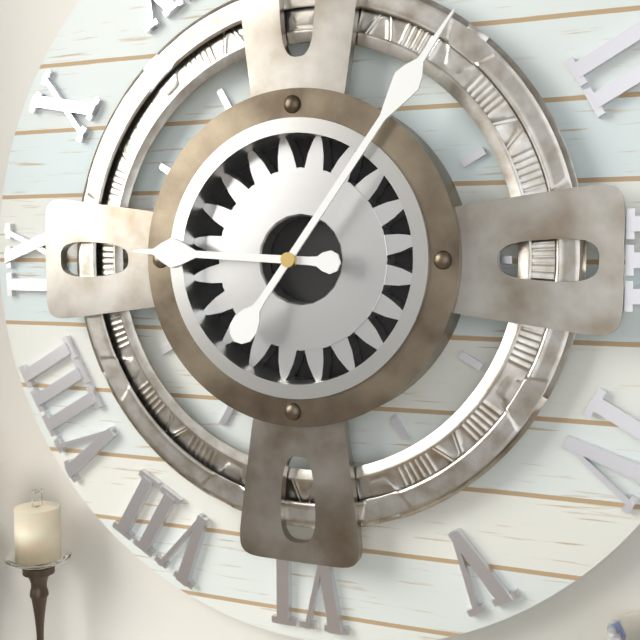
9:06
